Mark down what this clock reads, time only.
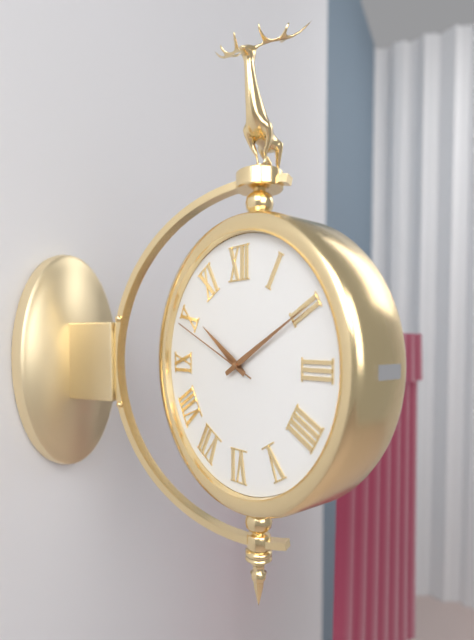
10:10:49
